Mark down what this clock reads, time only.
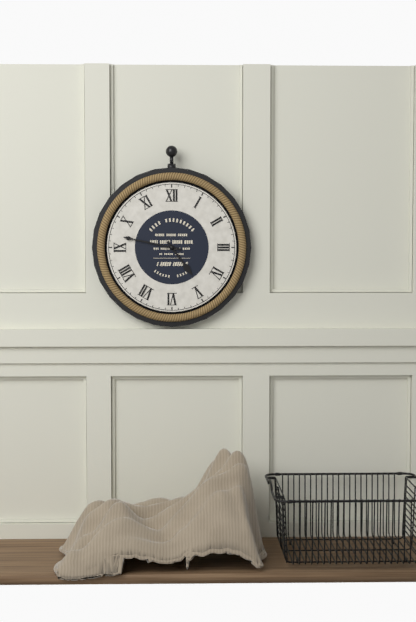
4:47
